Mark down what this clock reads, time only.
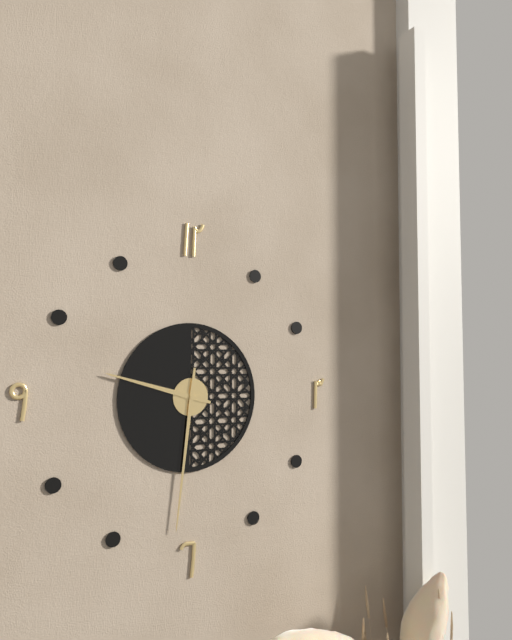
9:31
